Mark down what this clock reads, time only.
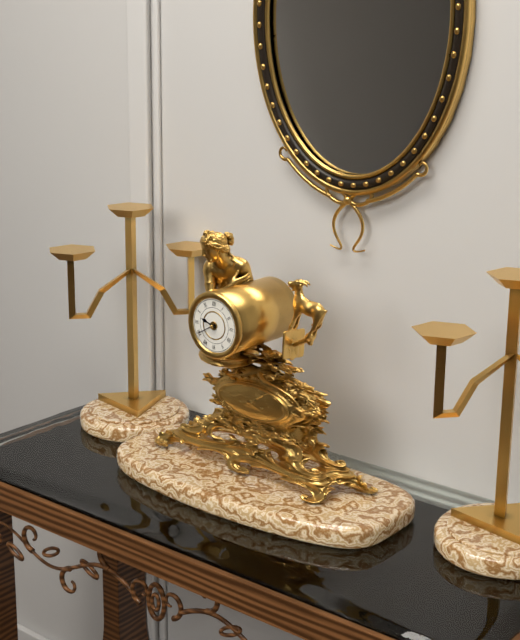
9:40
